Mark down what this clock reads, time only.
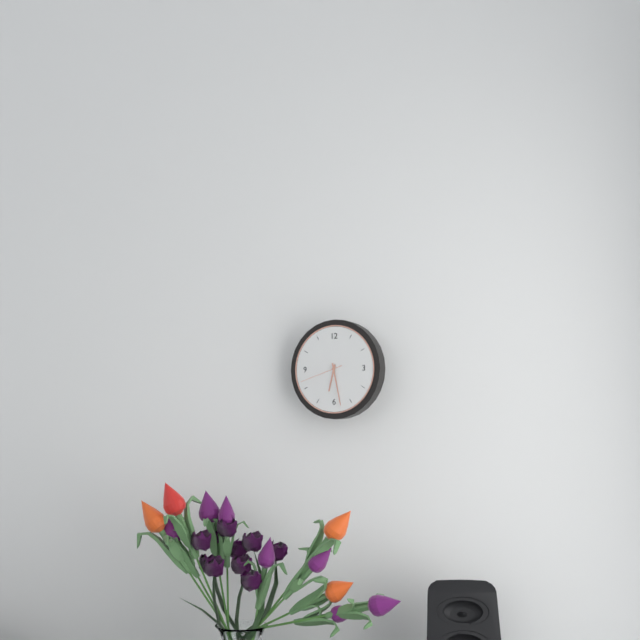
6:28
